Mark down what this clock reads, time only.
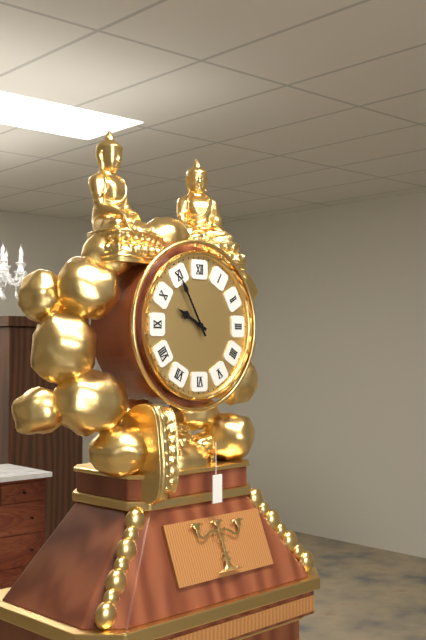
9:55
